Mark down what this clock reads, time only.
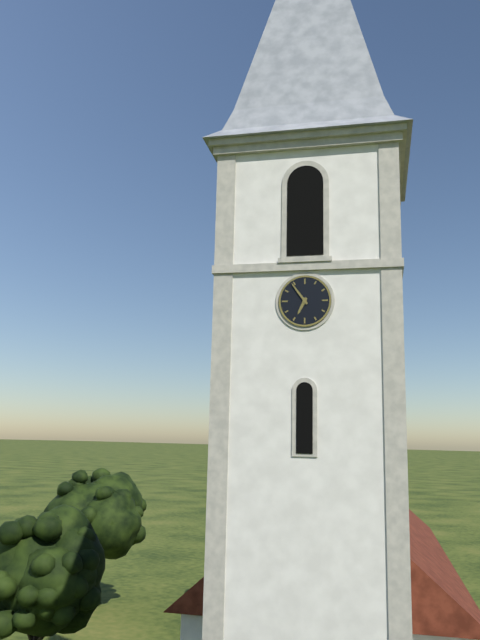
6:54
